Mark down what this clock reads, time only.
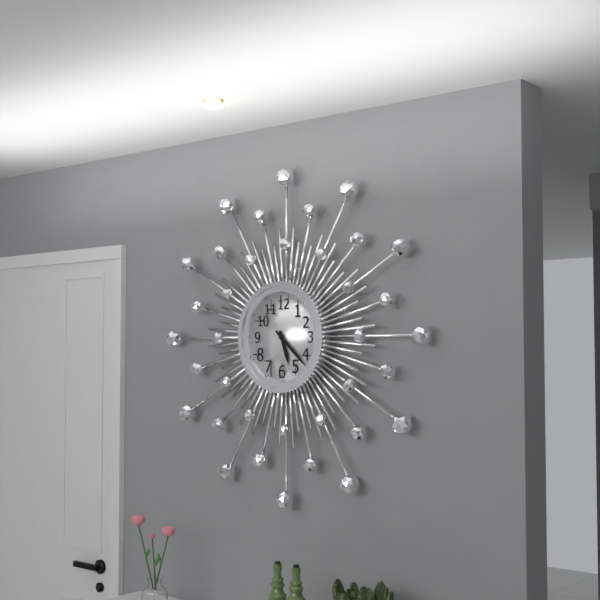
5:22
